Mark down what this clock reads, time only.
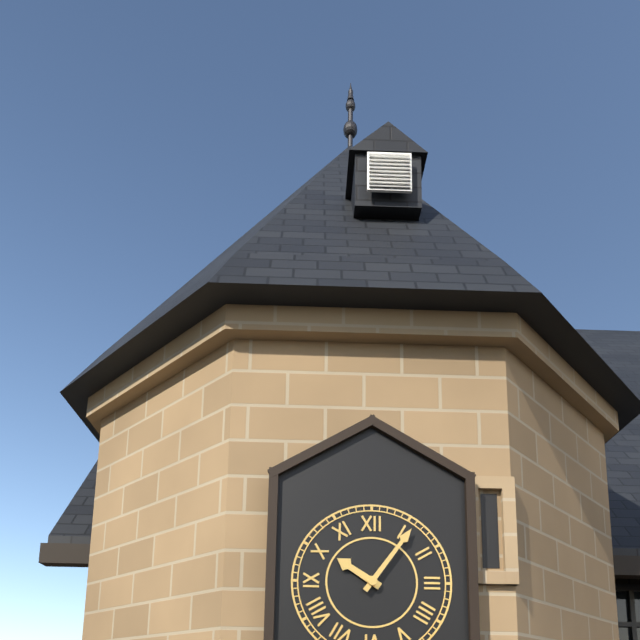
10:06
